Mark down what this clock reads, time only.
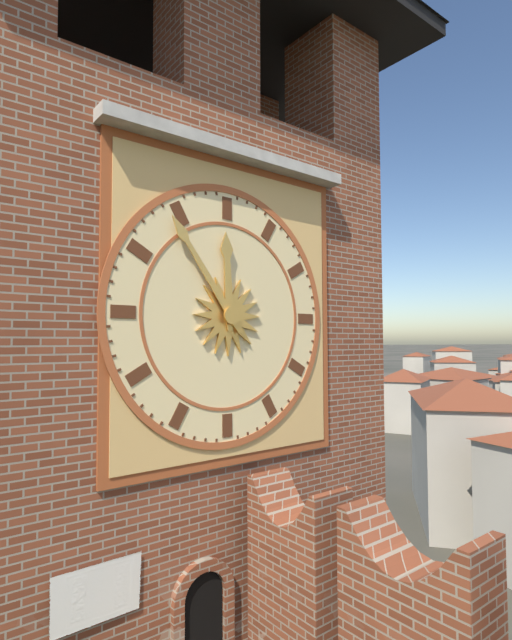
11:54
